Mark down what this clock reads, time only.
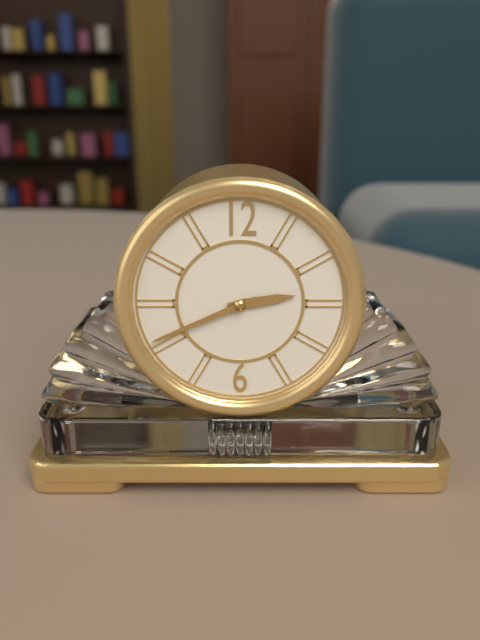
2:41
